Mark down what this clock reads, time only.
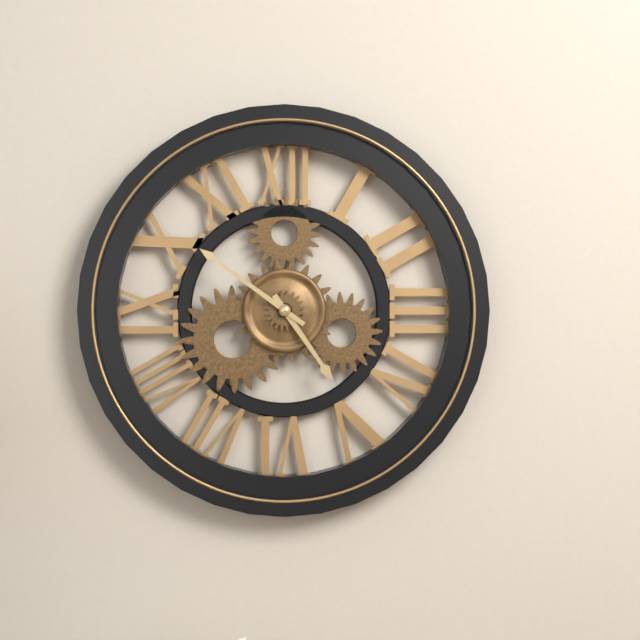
4:51
